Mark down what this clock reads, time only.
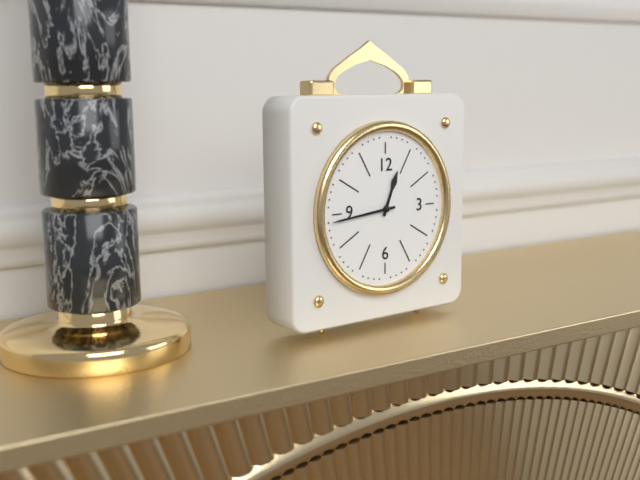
12:44
